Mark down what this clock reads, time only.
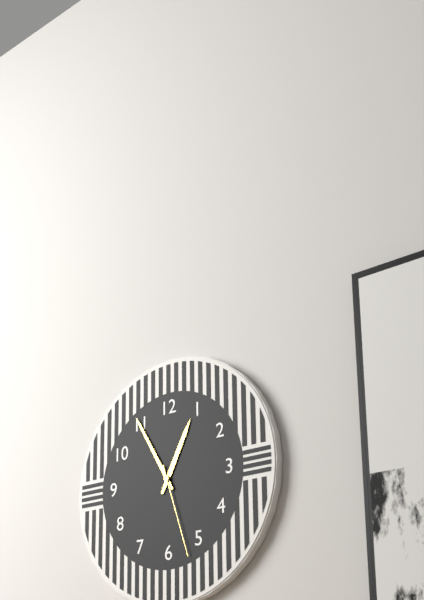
12:55:27
